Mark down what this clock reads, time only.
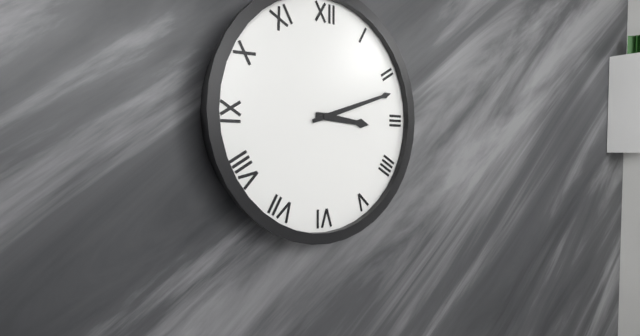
3:12
